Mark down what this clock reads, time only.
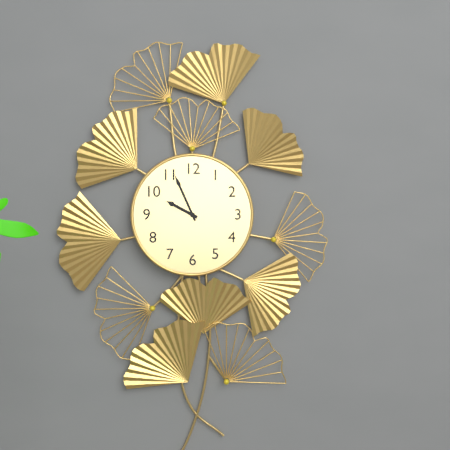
9:56
